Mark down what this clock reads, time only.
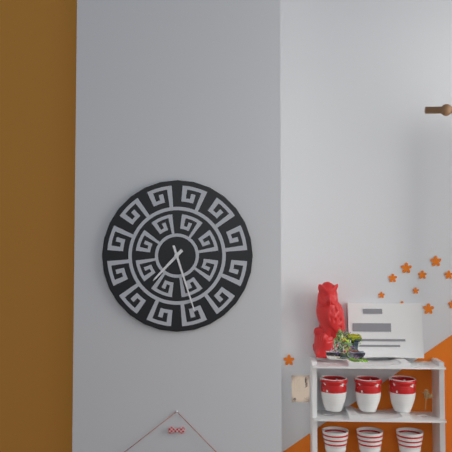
7:27
